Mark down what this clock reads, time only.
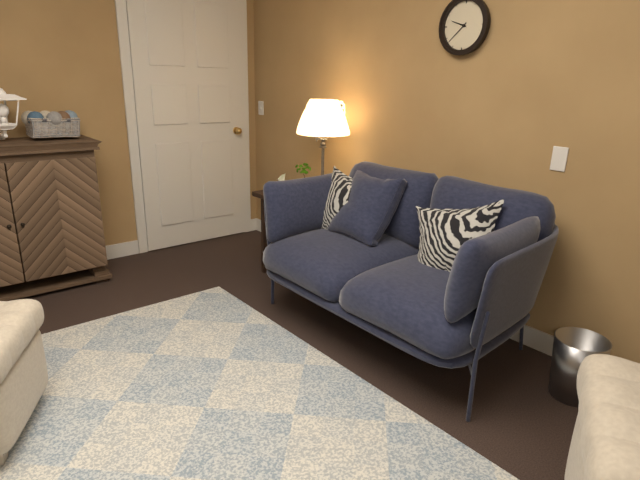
9:38
